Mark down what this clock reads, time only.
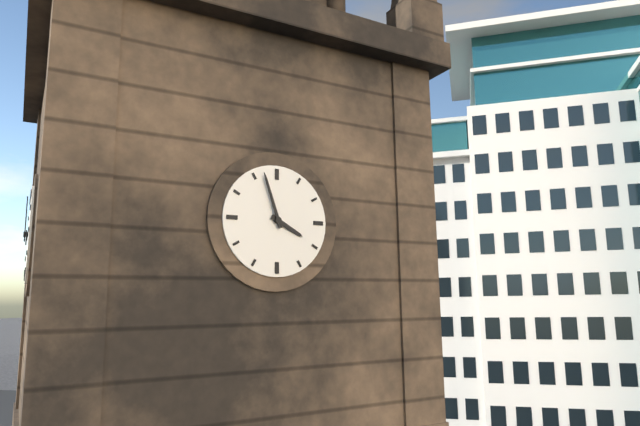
3:57
